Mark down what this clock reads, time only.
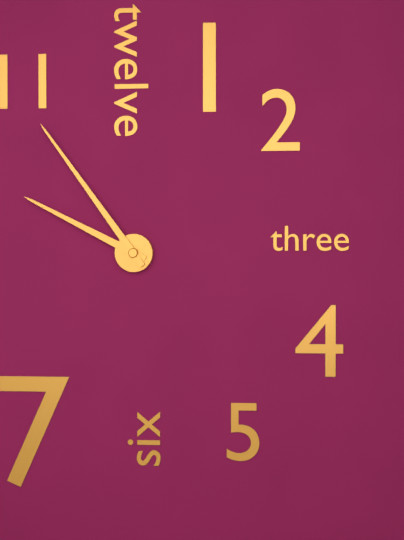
9:54
